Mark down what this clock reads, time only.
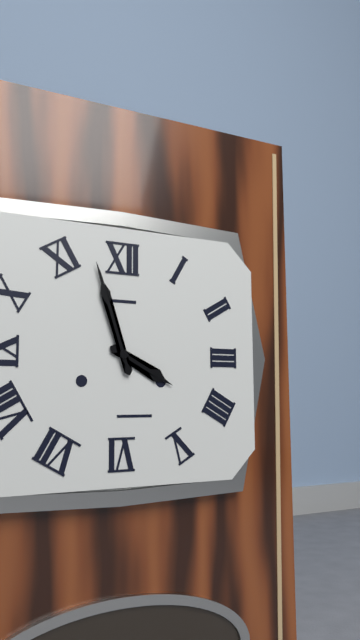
3:57
